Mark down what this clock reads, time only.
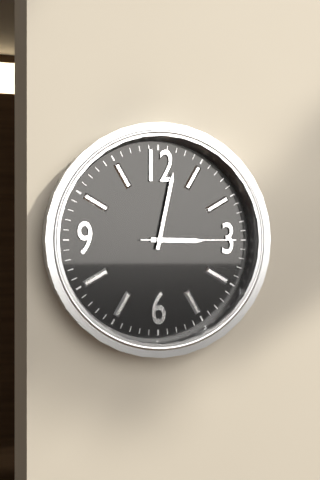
3:02:15
